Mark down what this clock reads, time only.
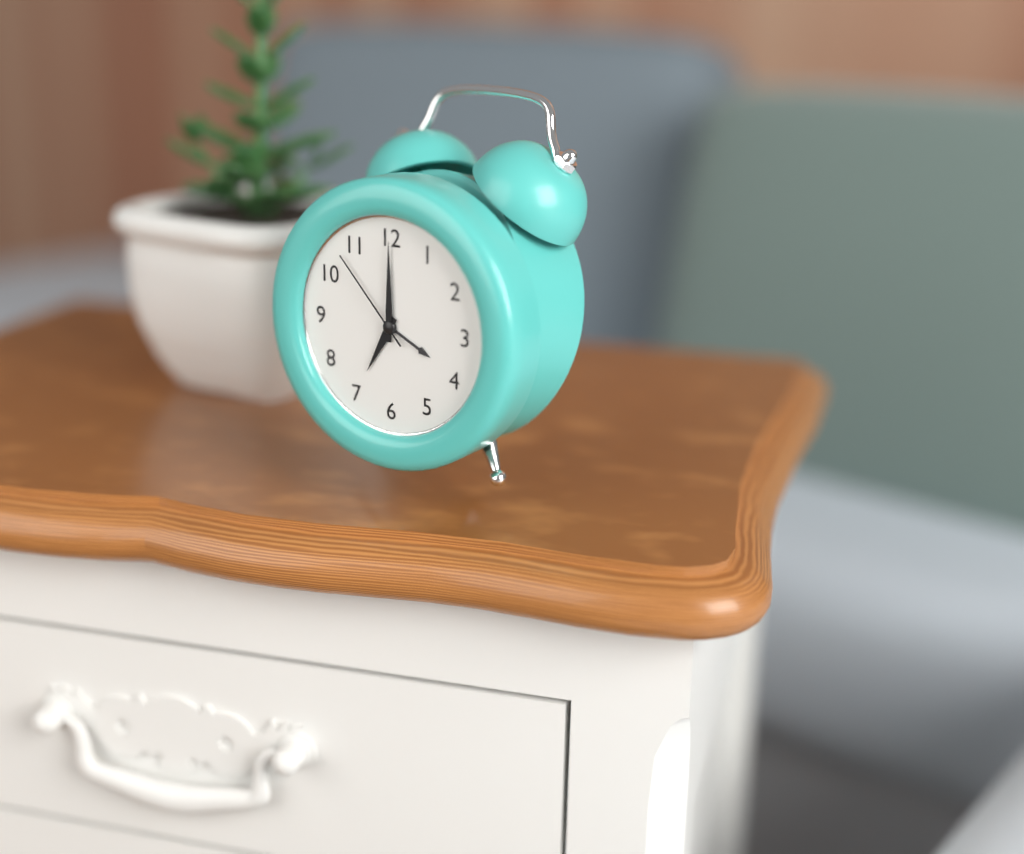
7:00:53
